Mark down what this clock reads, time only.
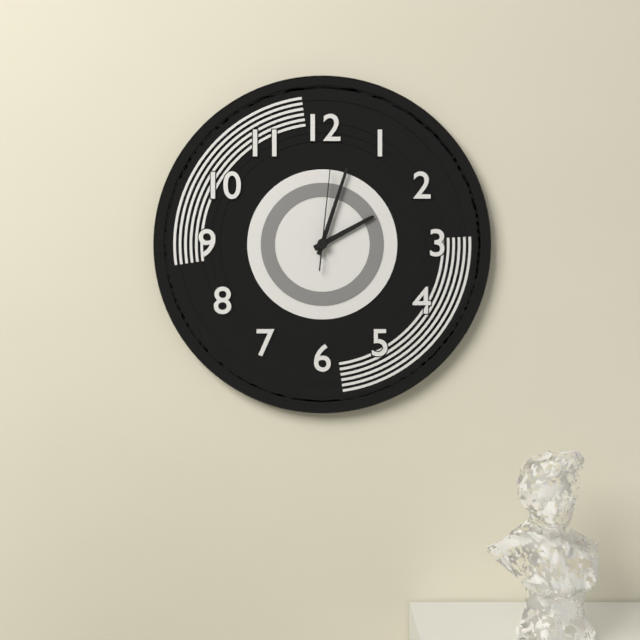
2:03:01
